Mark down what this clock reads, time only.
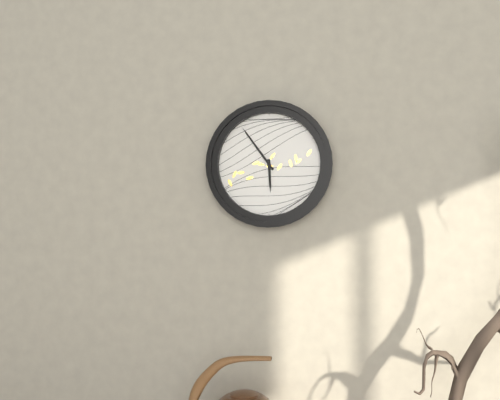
5:54
